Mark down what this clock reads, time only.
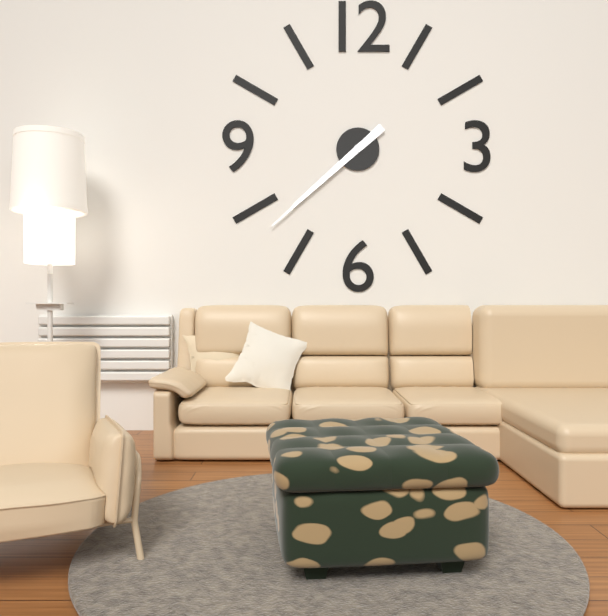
7:38
